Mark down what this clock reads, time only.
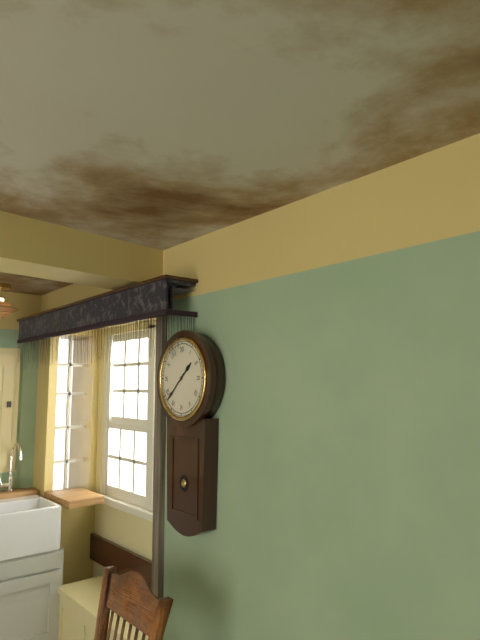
1:38
